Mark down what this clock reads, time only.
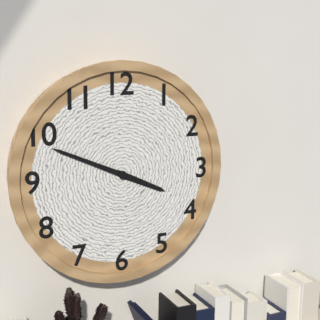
3:49
